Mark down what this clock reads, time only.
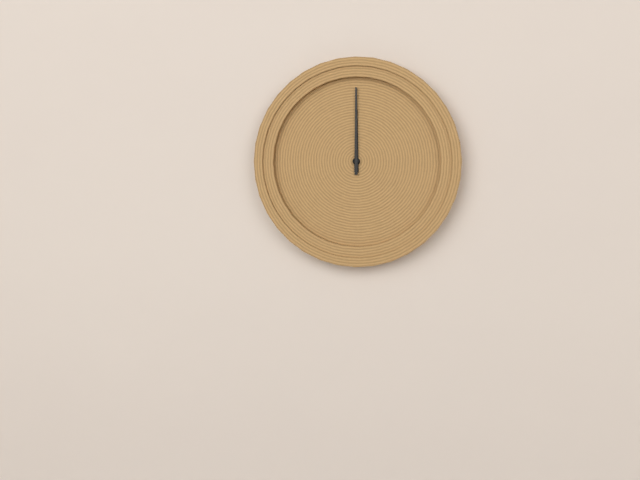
12:00
